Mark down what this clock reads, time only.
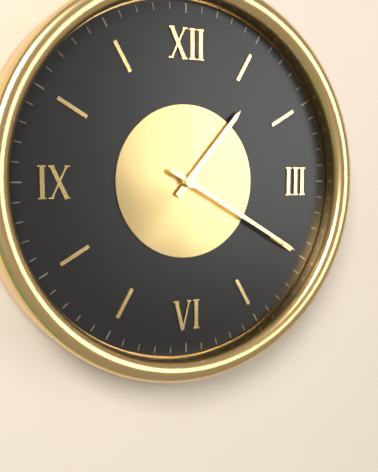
1:20
